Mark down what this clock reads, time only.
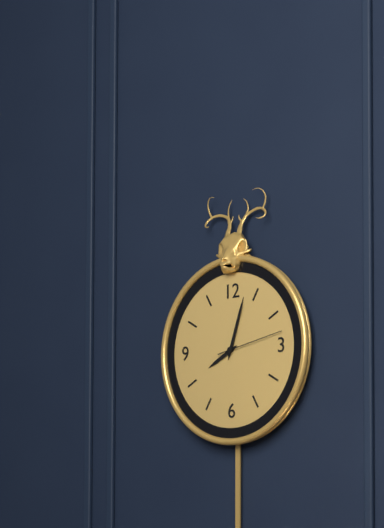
8:03:13
